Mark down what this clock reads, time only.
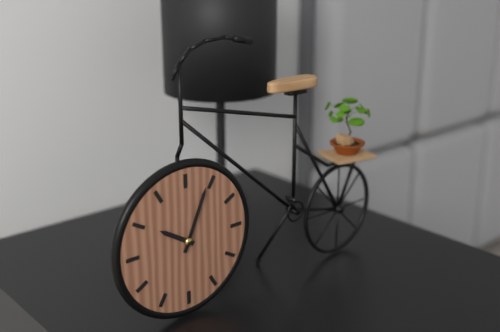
10:04
